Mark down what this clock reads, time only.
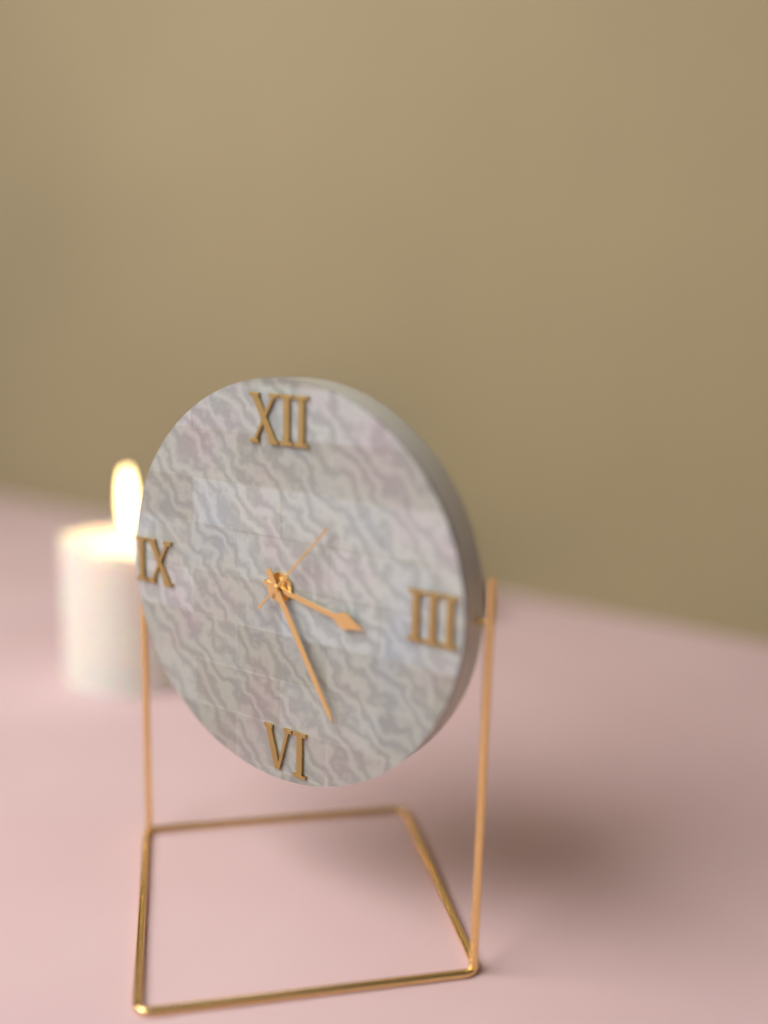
3:25:07
